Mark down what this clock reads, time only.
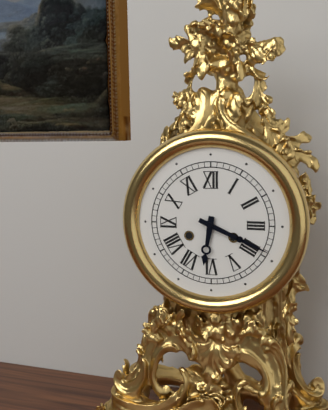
6:19
